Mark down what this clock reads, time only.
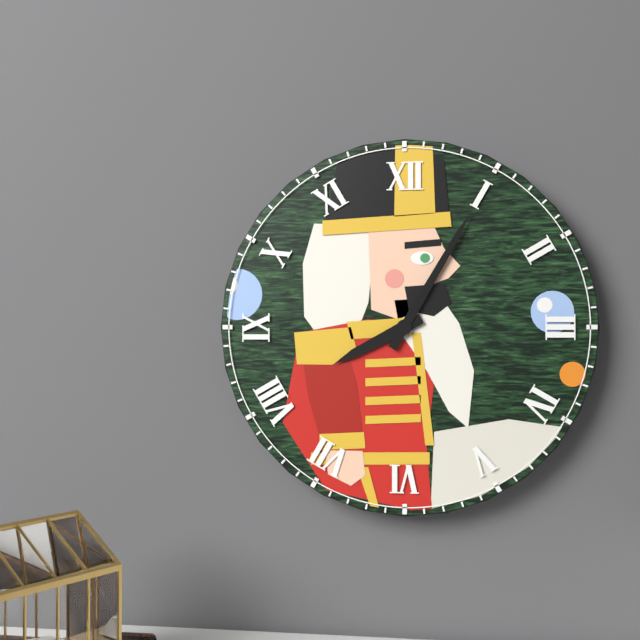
8:05
